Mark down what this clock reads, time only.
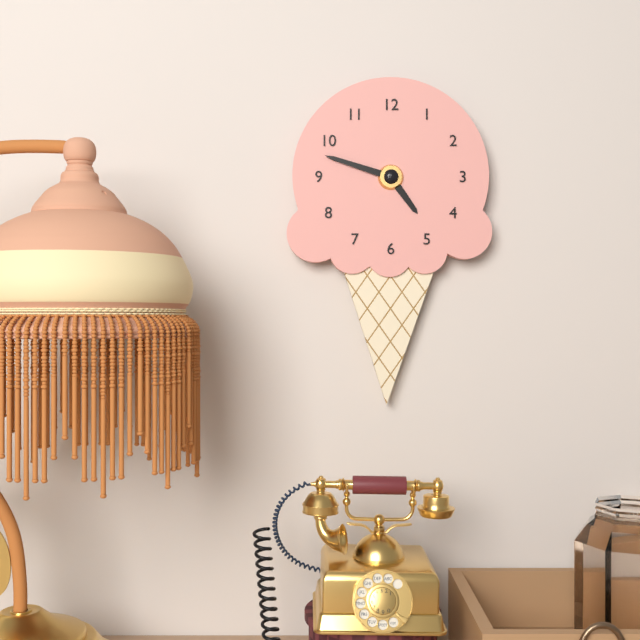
4:48
